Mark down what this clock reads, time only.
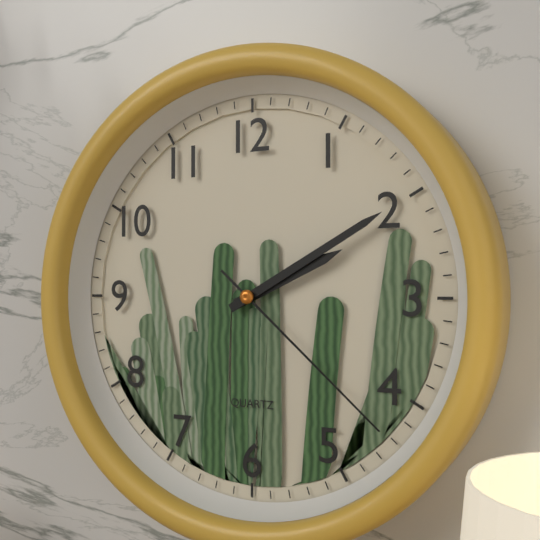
2:10:22
